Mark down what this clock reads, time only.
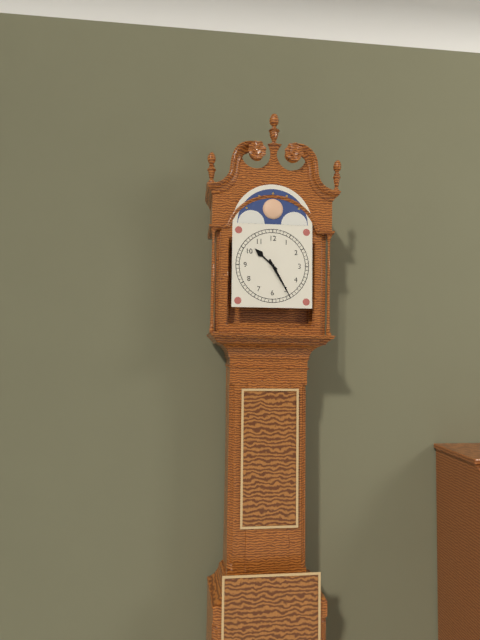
10:25
